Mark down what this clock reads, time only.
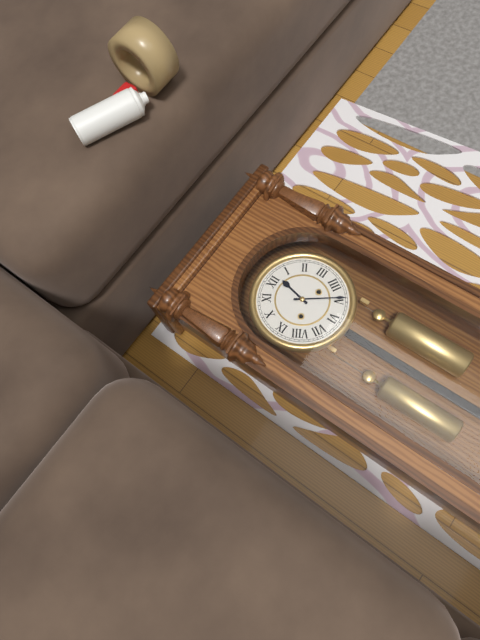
12:24
